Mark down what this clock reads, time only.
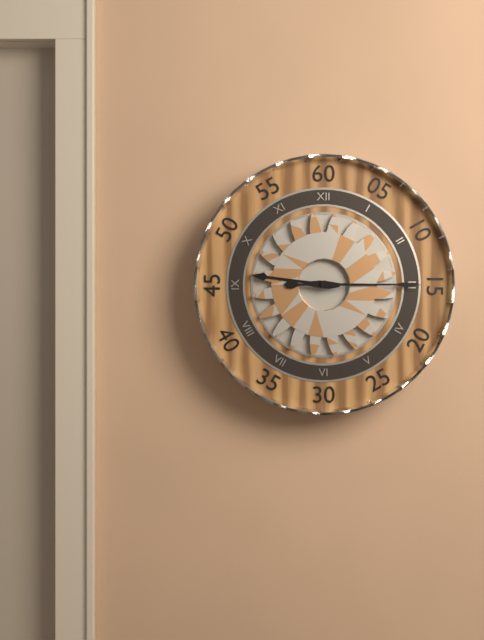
9:15
